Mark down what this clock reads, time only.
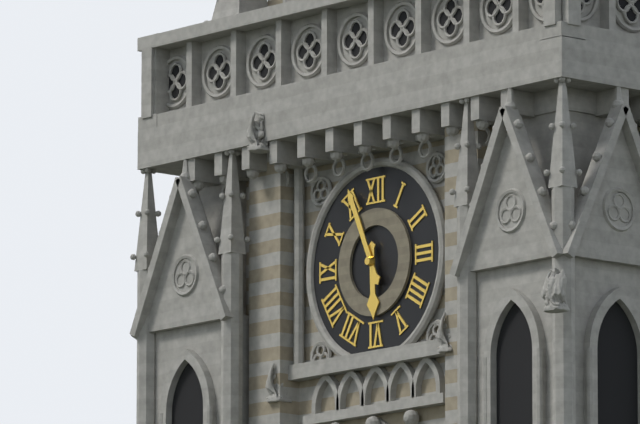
5:56
